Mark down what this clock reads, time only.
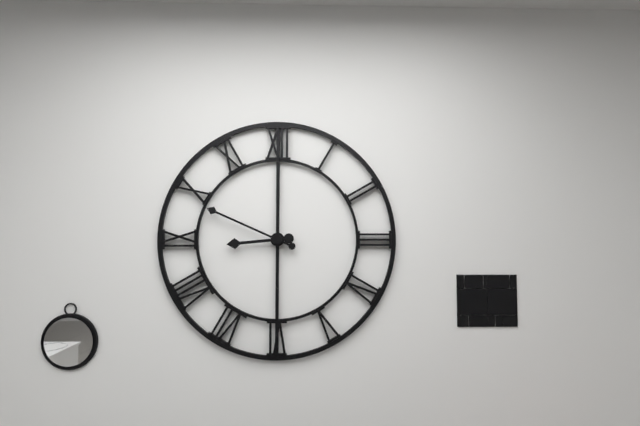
8:49
